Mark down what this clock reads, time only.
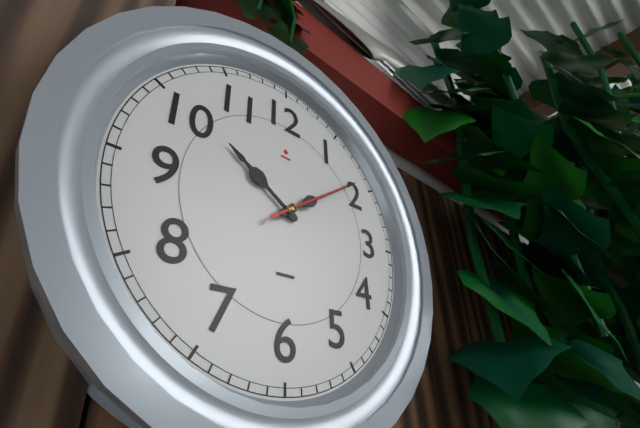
10:09:09
